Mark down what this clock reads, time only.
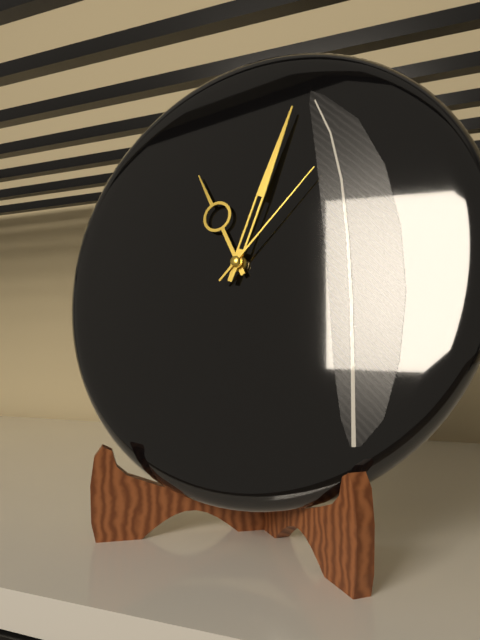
11:03:07
